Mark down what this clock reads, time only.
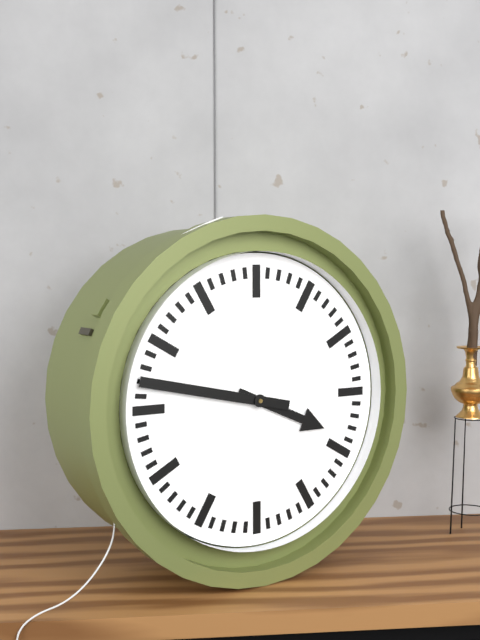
3:47
